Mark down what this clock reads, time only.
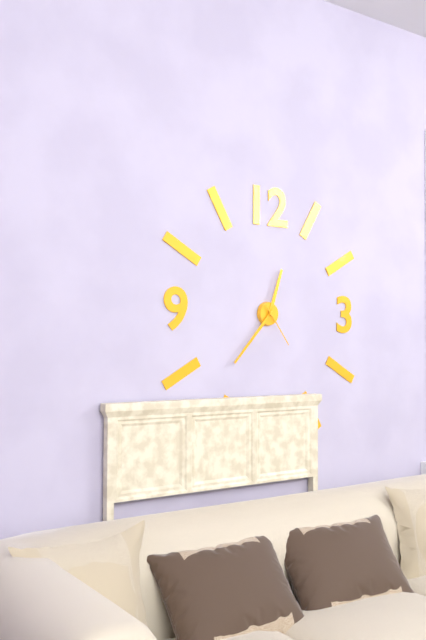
12:37
